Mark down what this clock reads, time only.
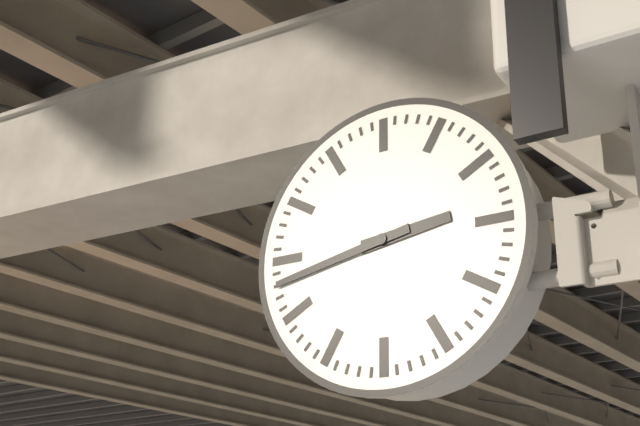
2:43
